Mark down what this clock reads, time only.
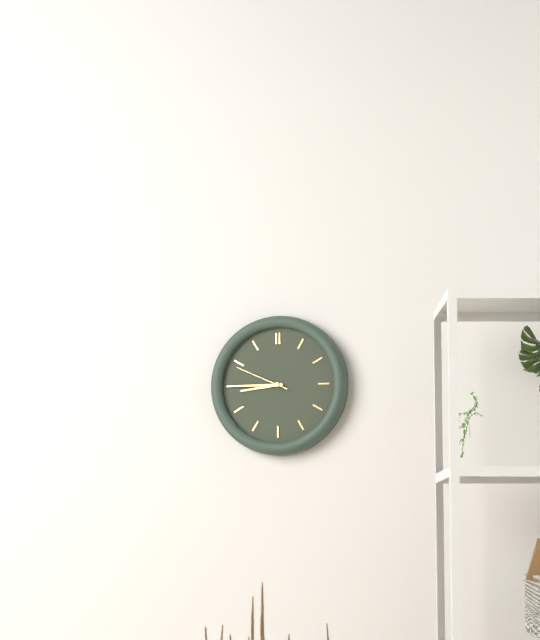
8:45:49
